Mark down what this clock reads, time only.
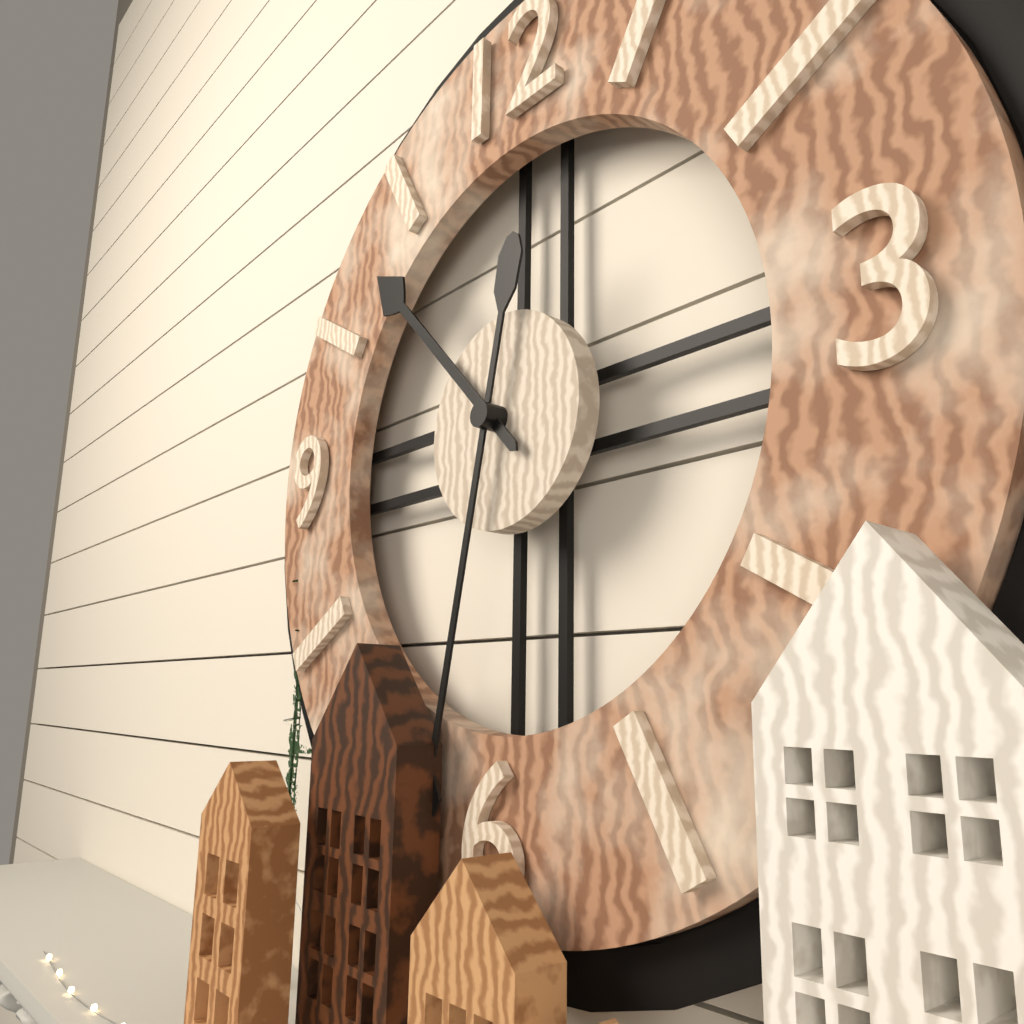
10:32
